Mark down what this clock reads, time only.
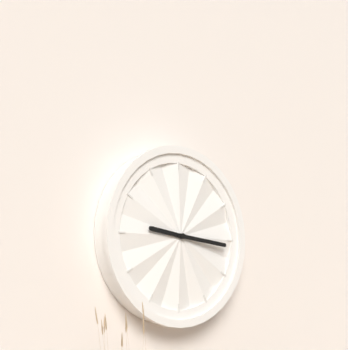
9:16
